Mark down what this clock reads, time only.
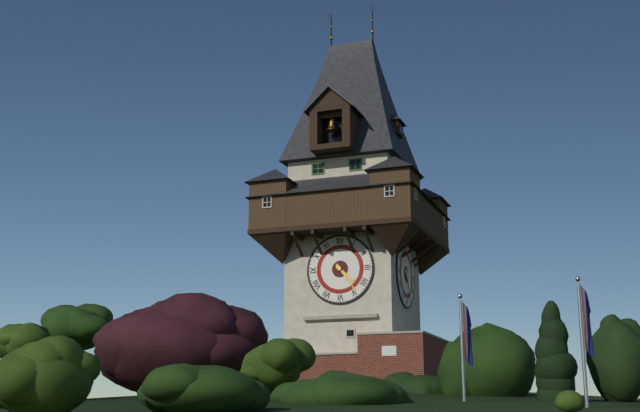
4:24
